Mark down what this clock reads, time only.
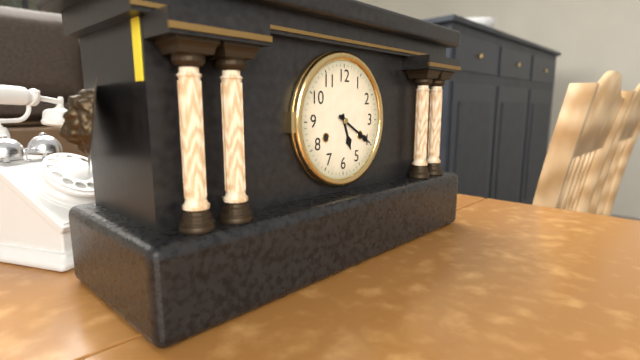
5:20
